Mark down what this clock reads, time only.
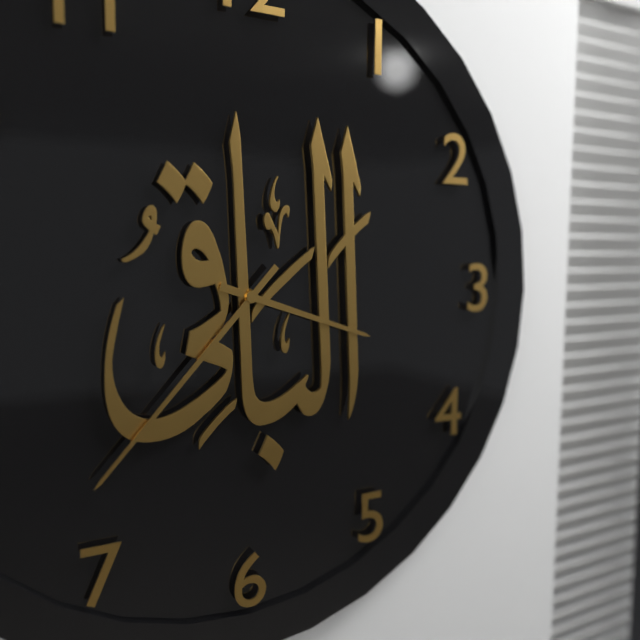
3:37
